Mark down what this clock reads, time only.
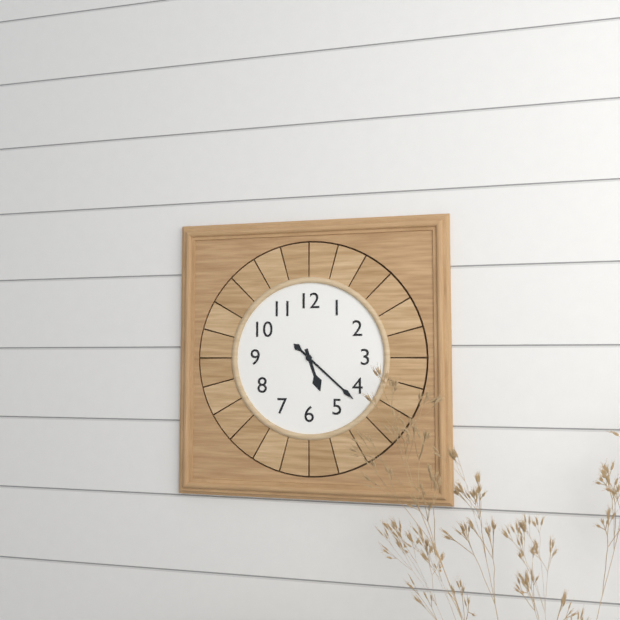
5:22
